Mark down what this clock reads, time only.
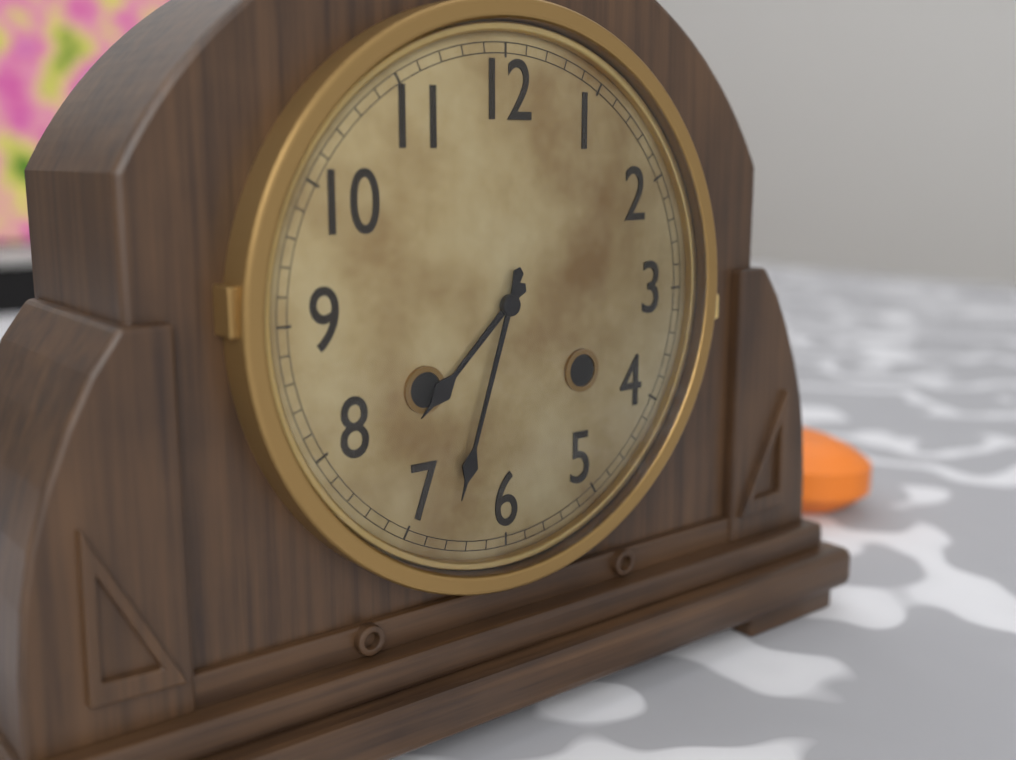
7:33
